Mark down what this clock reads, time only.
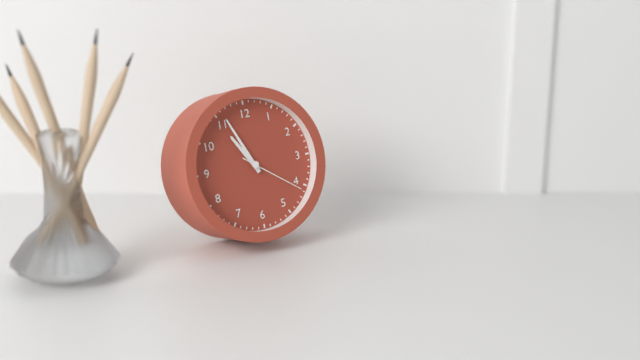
10:56:21
